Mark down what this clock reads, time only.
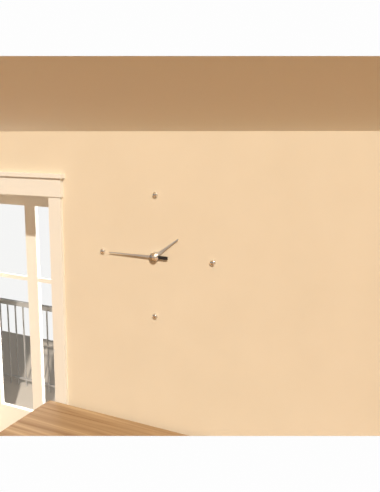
1:45
